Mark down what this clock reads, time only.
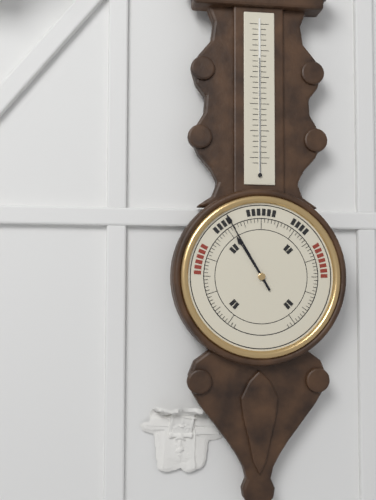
10:55
